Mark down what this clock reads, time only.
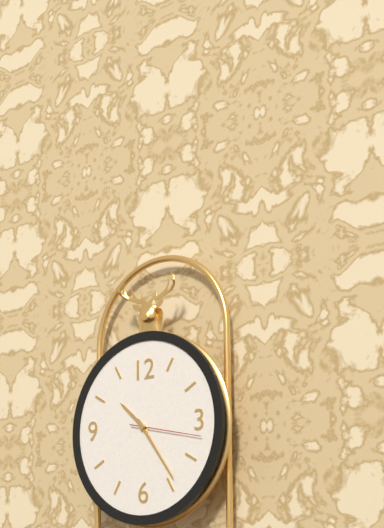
10:24:17
